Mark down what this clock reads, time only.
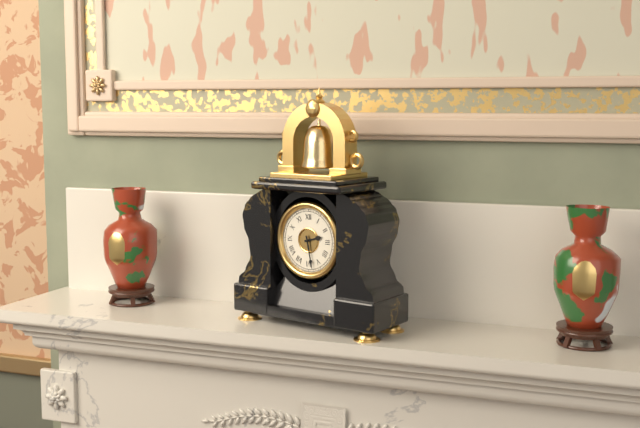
2:28
